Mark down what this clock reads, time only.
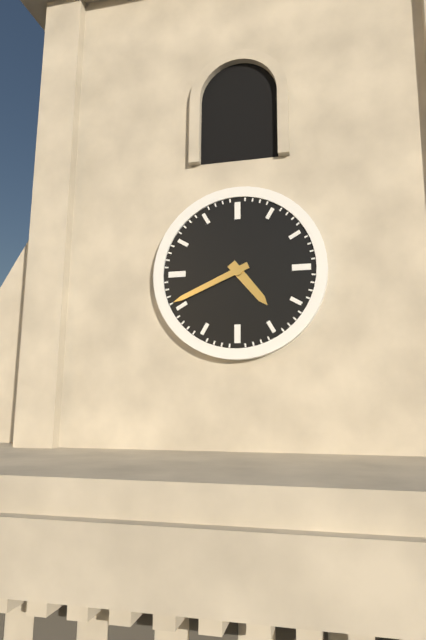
4:41
